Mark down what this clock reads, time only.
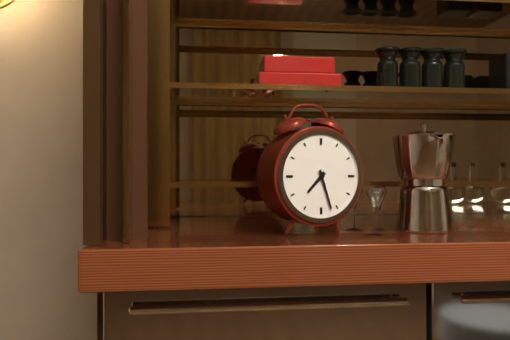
7:27
